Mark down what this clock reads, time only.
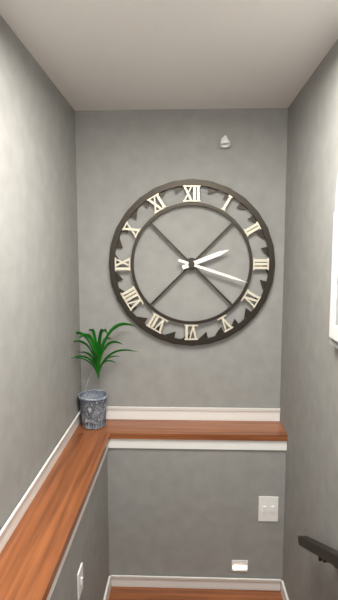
2:18
